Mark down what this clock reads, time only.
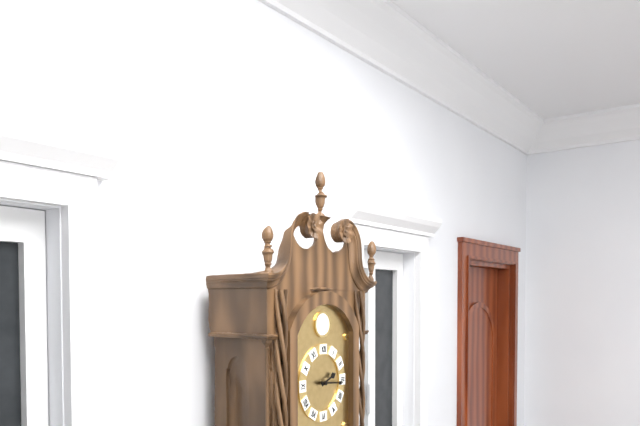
2:16
